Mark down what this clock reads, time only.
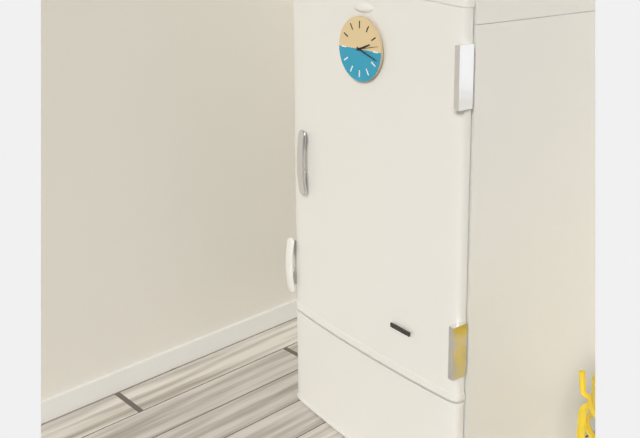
2:18
